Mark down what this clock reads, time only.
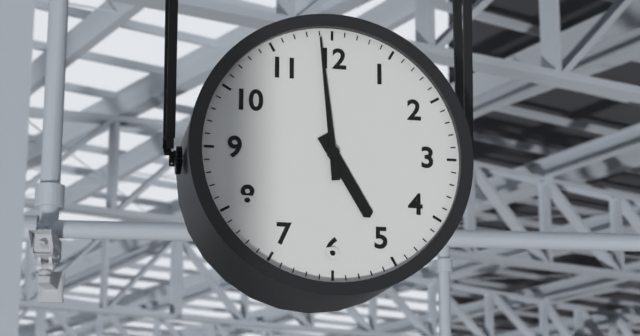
4:59
